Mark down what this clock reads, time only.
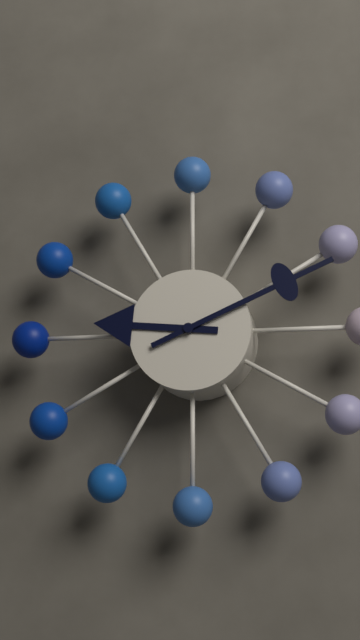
9:11
